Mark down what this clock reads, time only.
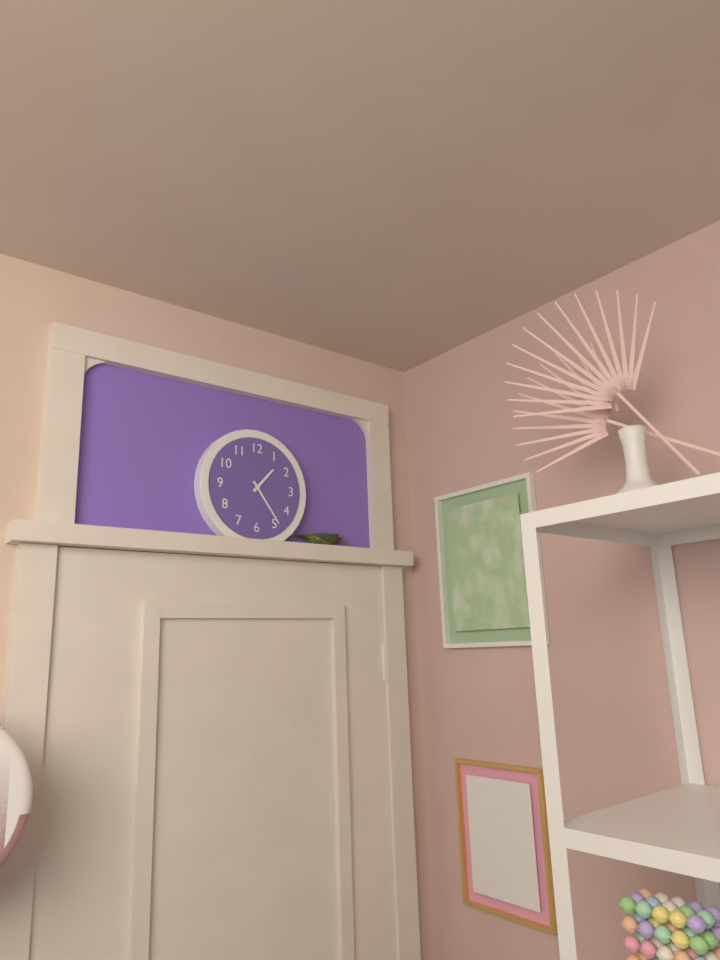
1:24
